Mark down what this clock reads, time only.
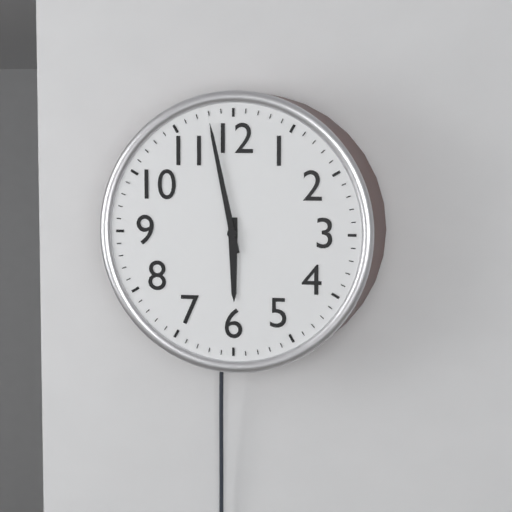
5:58
